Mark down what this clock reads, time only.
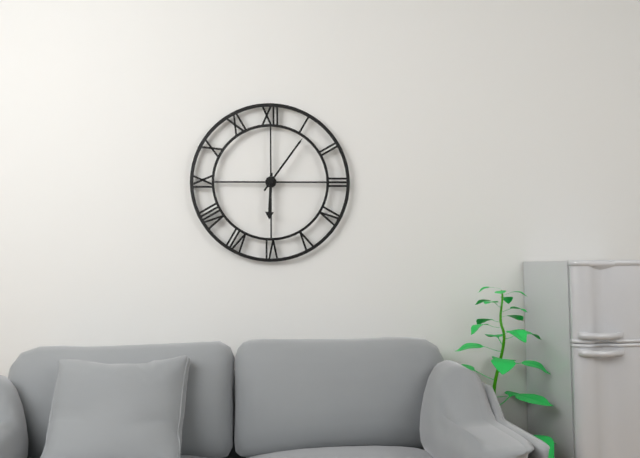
6:06
